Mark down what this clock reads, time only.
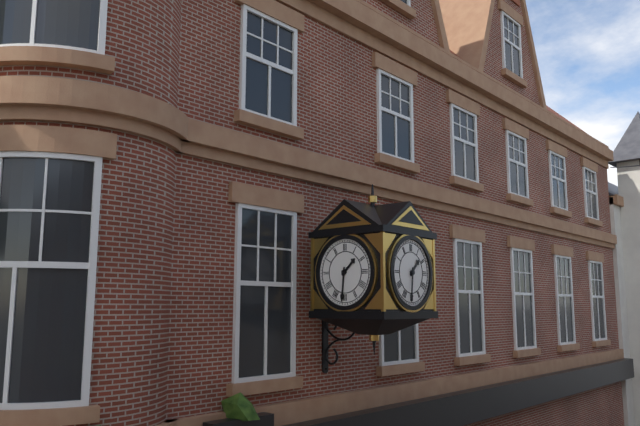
1:31
